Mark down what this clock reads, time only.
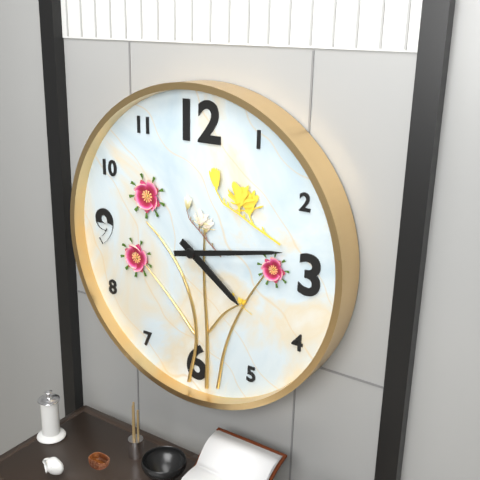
4:13
